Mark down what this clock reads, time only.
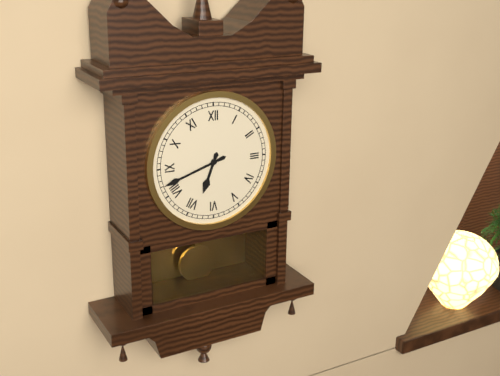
6:42
